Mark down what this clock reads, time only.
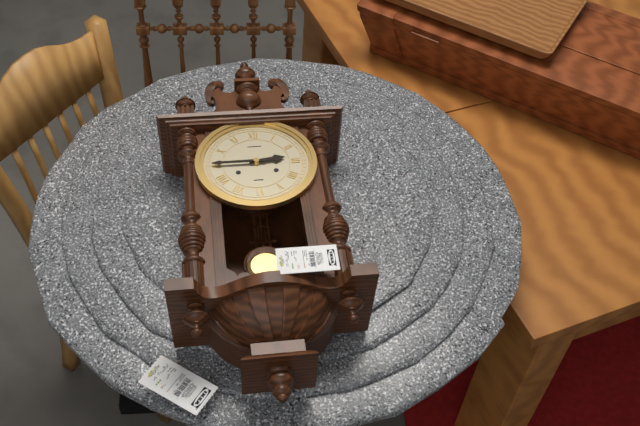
2:45
